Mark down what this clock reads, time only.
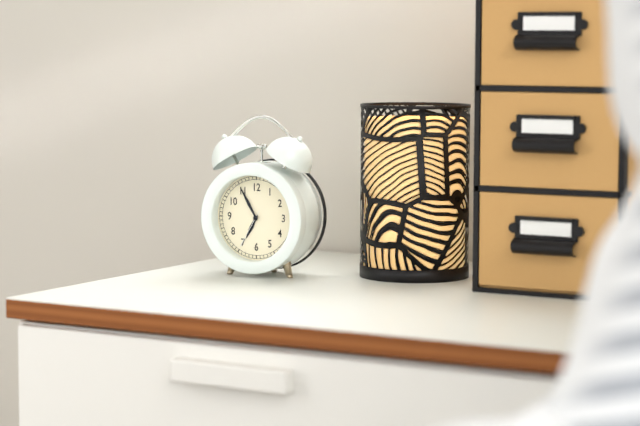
6:55
